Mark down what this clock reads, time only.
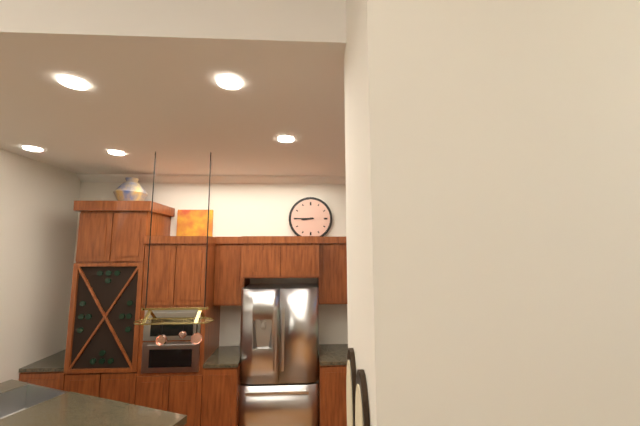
8:45
